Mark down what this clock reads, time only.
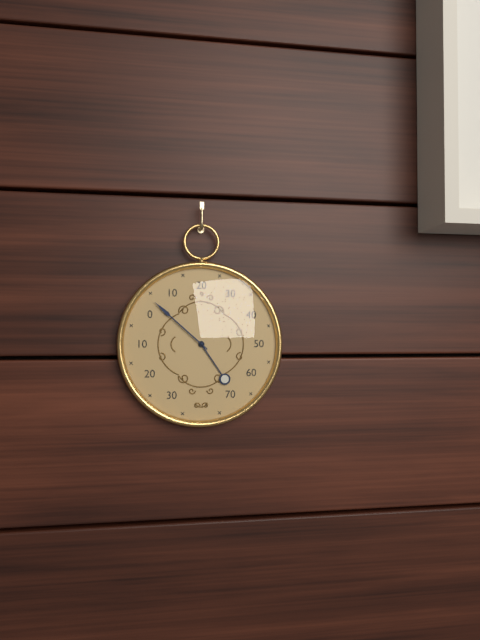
4:52
